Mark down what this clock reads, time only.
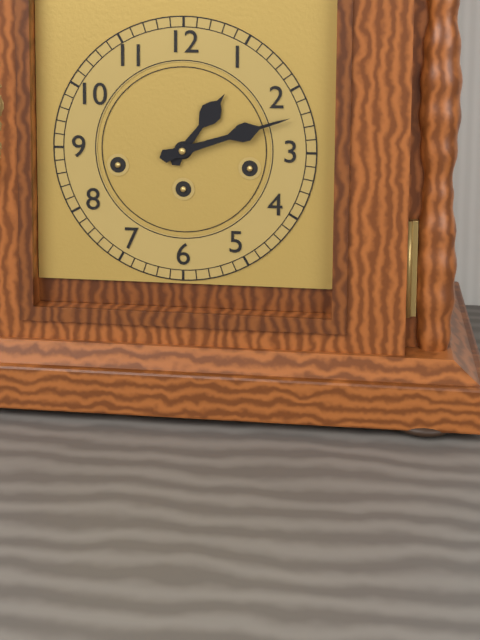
1:12
